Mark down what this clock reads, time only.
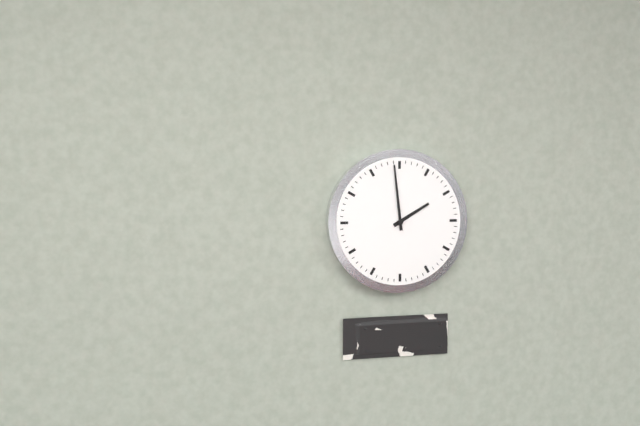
1:59
